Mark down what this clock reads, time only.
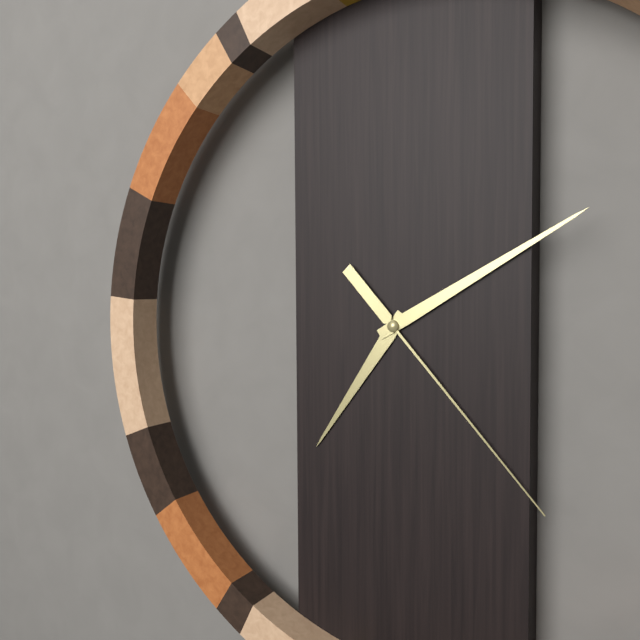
7:10:23
